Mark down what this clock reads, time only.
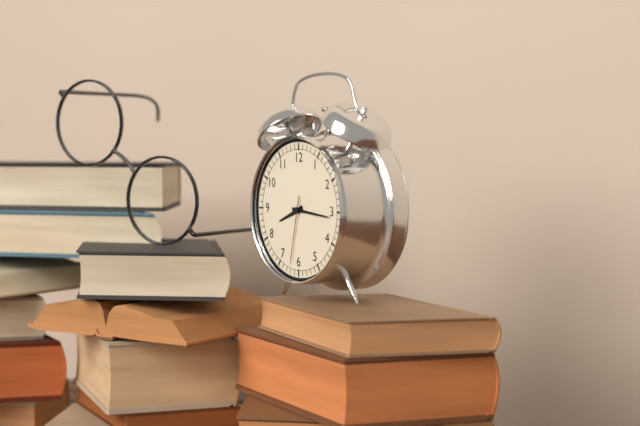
8:16:32
